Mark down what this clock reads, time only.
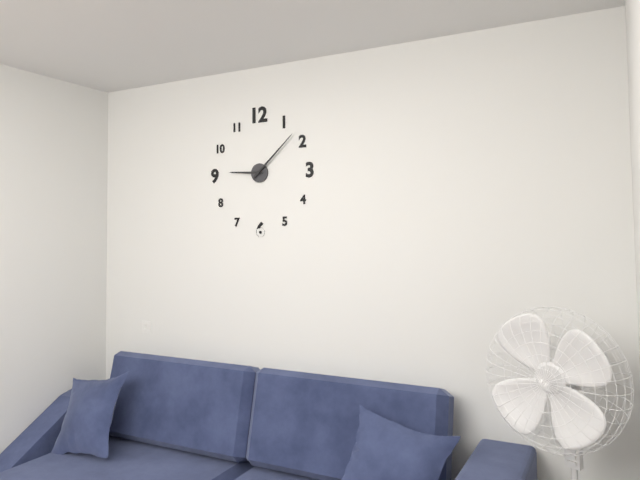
9:08
